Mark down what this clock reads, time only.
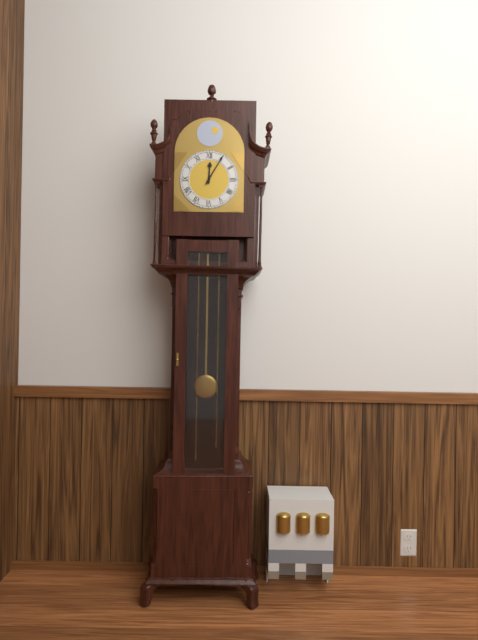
12:05
